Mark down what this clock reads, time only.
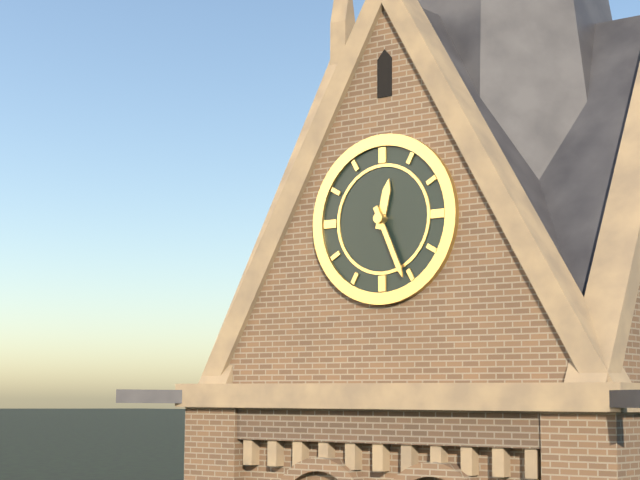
12:26
